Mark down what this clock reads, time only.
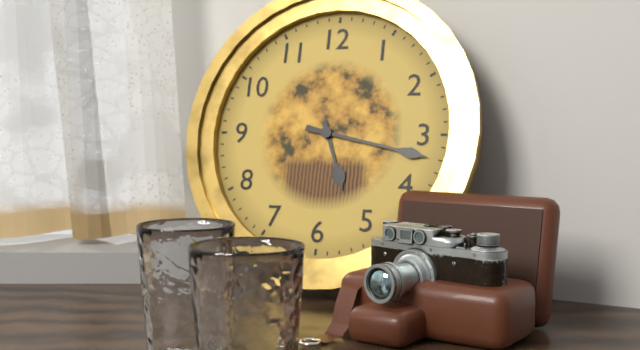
5:17
